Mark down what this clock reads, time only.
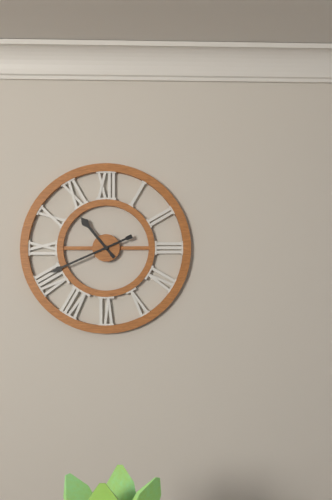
10:41
